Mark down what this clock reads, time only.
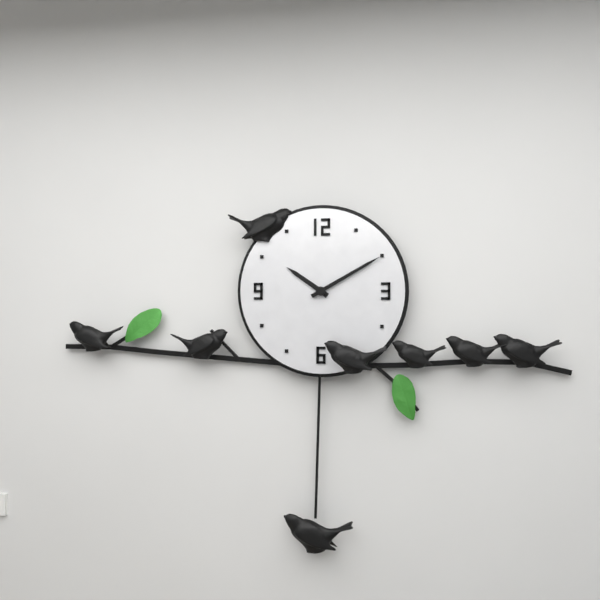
10:10
